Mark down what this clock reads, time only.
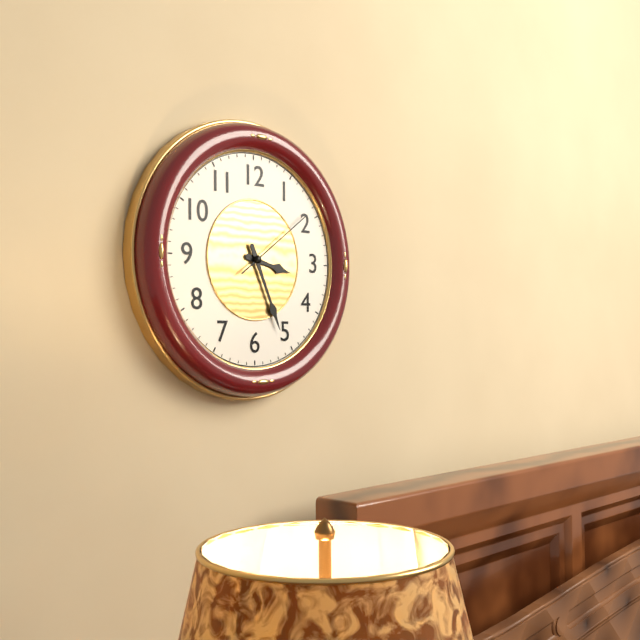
3:26:09
